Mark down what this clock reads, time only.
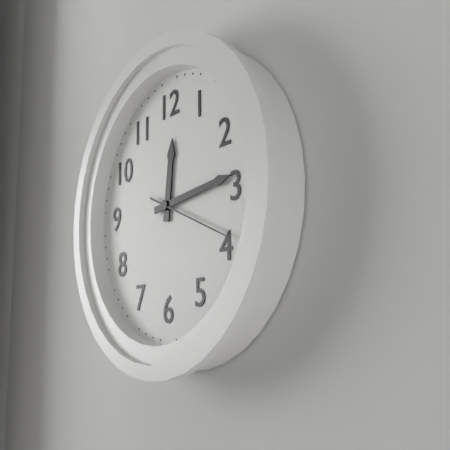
12:14:19
